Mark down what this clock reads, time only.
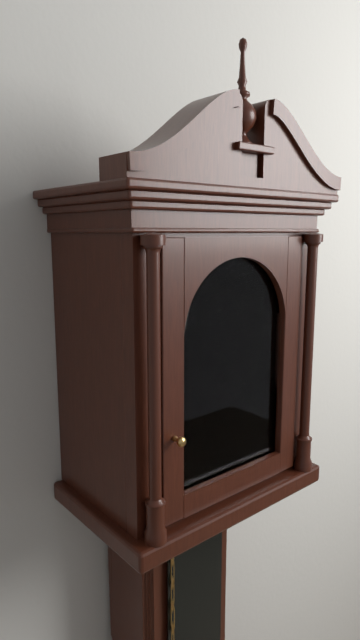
6:54
